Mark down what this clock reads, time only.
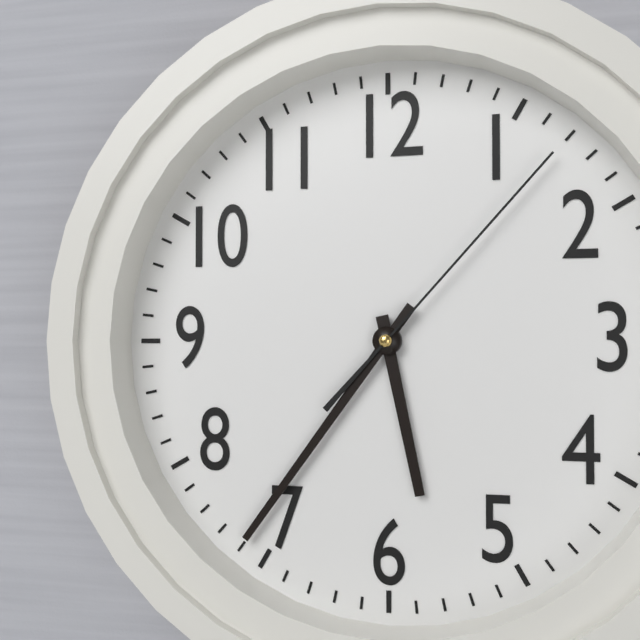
5:36:07
